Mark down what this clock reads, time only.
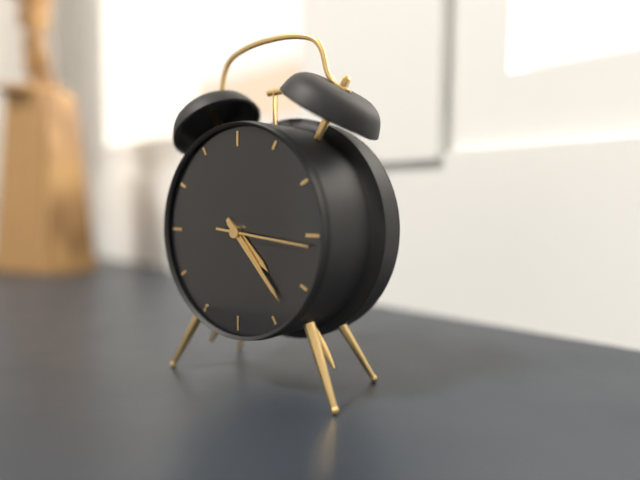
4:23:16
